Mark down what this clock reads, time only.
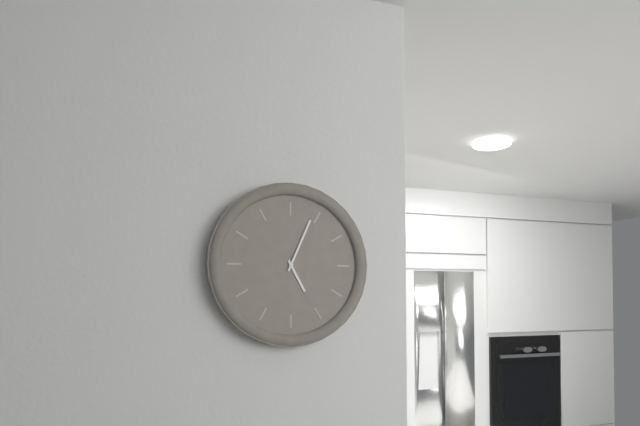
5:04
